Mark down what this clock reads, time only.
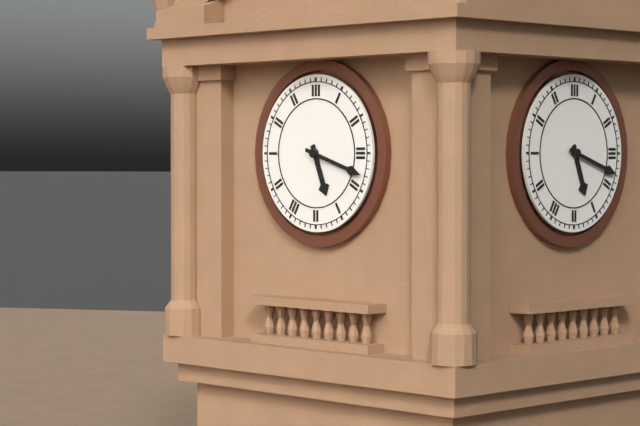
5:18
